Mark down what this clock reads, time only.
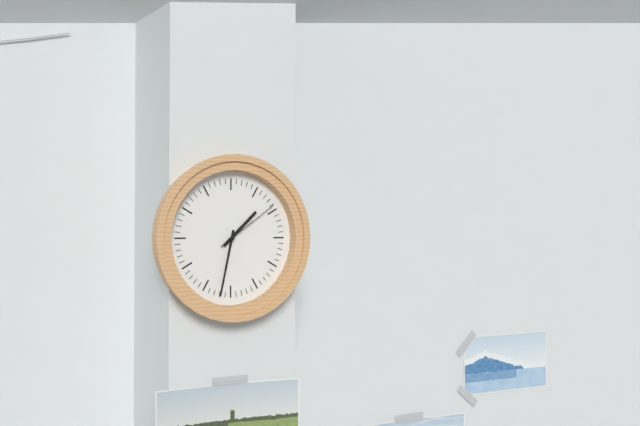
1:32:09
